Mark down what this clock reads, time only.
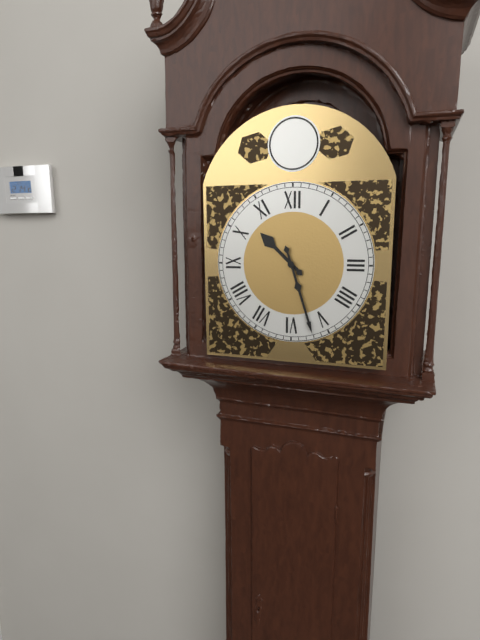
10:27
